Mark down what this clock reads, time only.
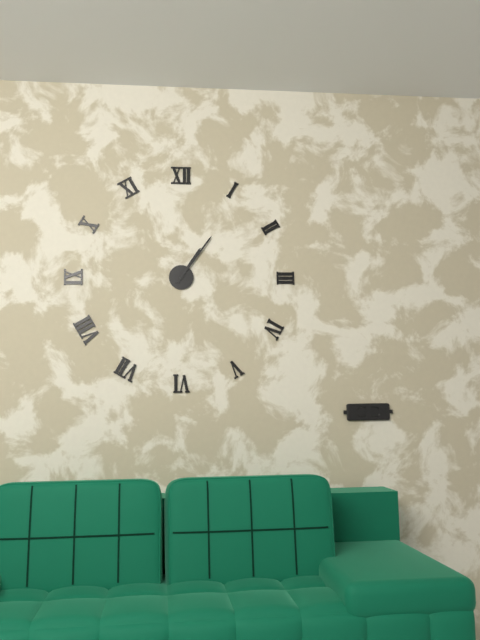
1:06
